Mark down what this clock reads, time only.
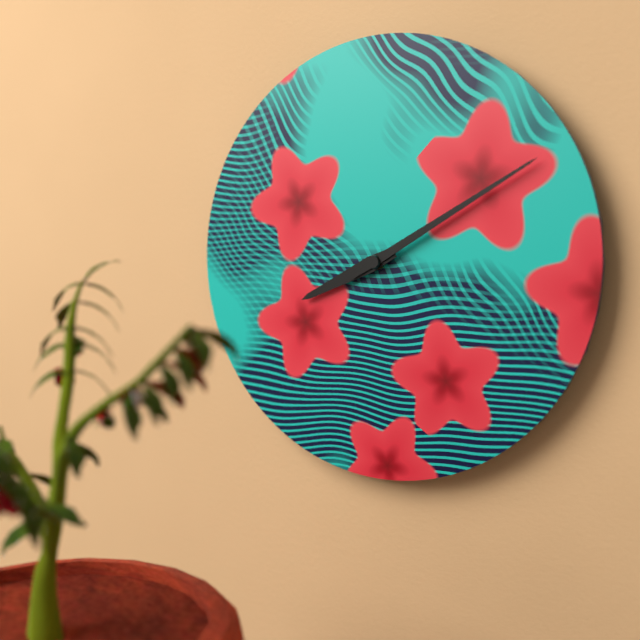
8:10
